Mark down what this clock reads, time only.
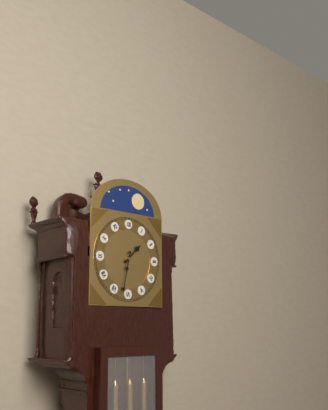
1:32
